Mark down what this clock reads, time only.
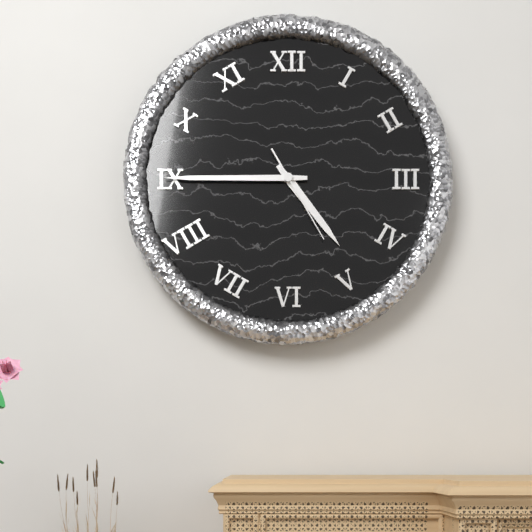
4:45:25
